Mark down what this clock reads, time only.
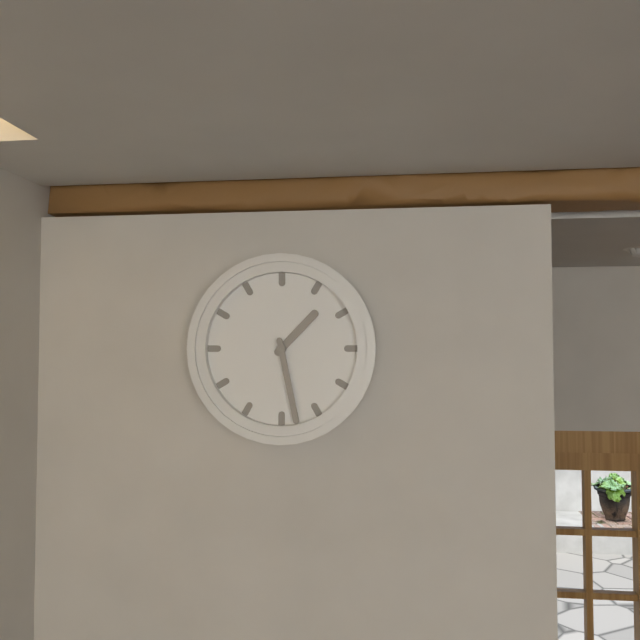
1:28
